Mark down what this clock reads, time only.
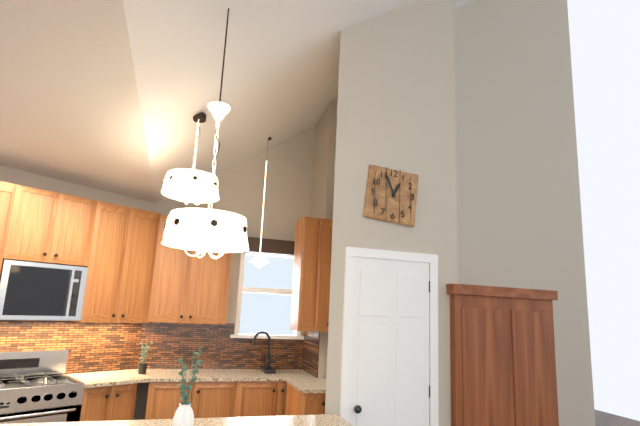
12:56
